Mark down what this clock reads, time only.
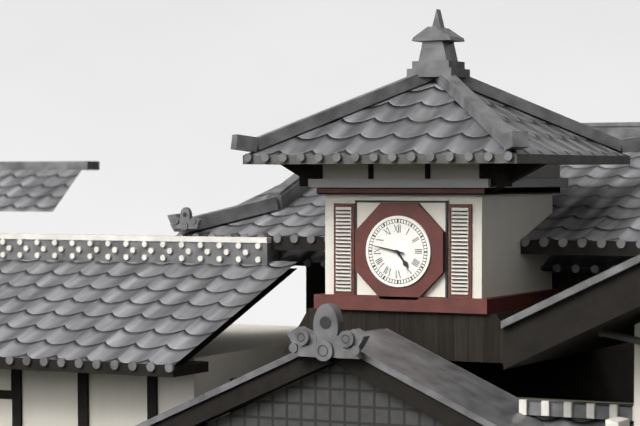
4:47
